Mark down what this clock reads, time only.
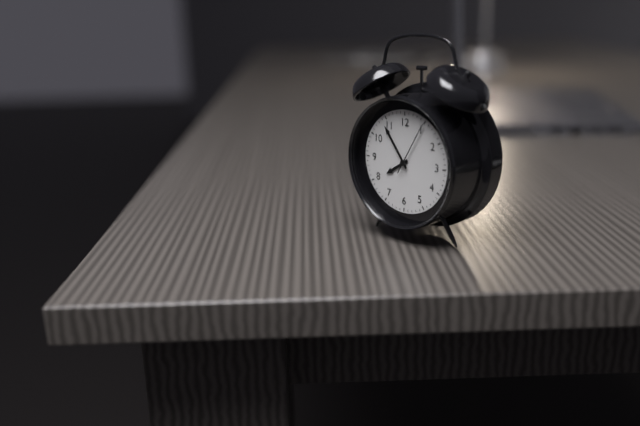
7:54:05
